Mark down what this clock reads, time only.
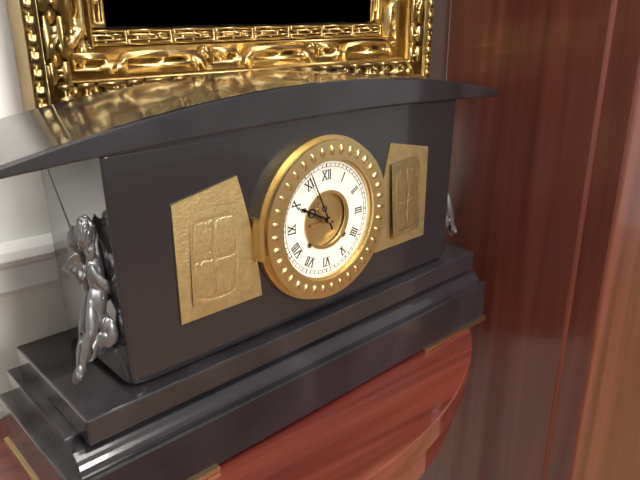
9:56
